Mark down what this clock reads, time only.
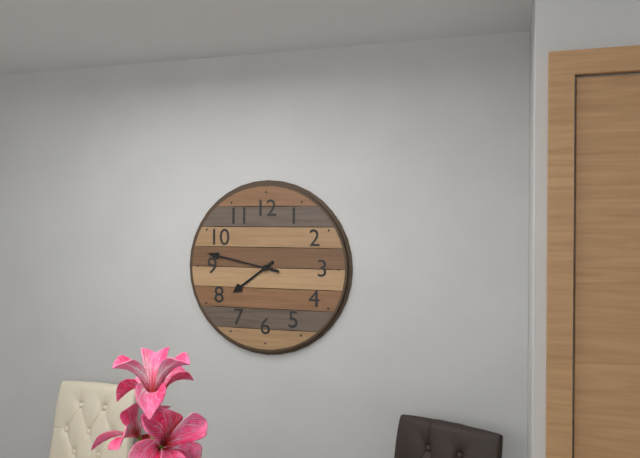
7:47
